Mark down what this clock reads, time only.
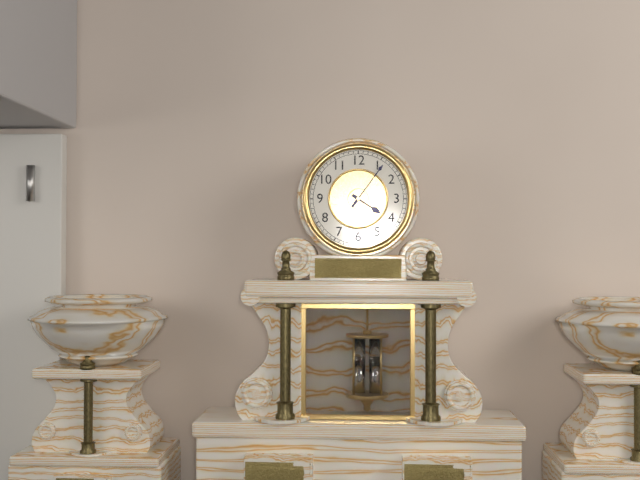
4:06
